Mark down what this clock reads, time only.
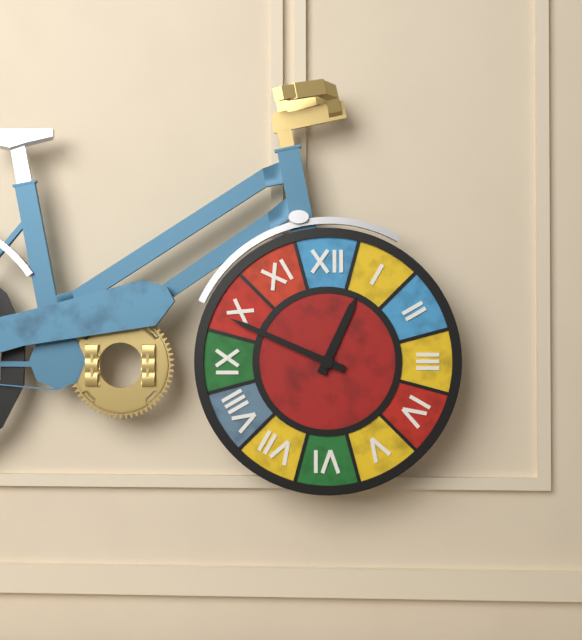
12:49
